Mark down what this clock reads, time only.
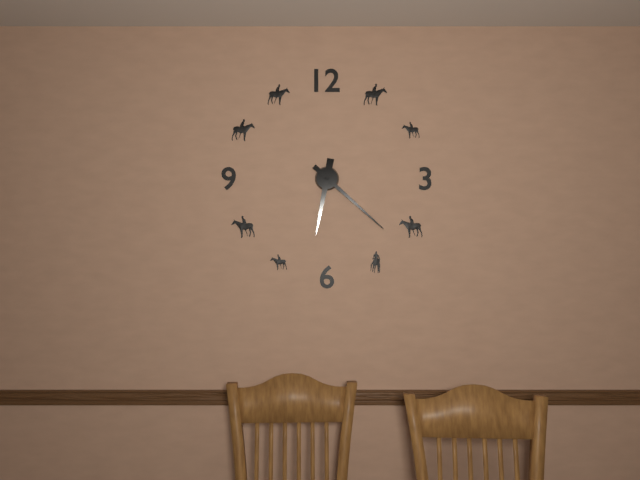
6:22
